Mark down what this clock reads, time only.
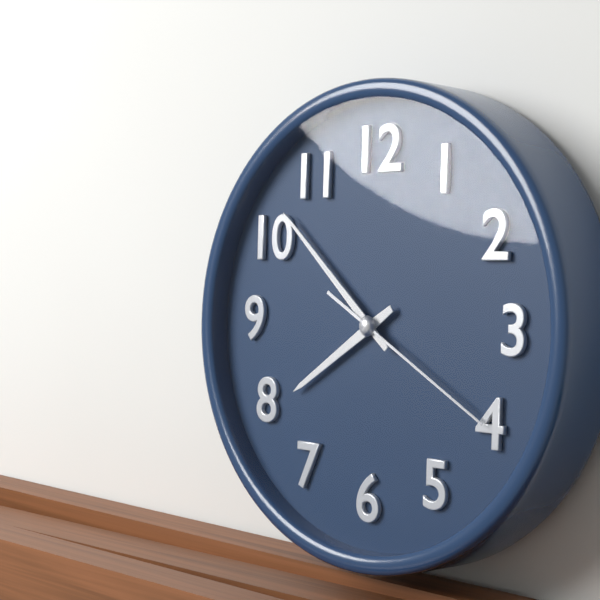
7:52:20
